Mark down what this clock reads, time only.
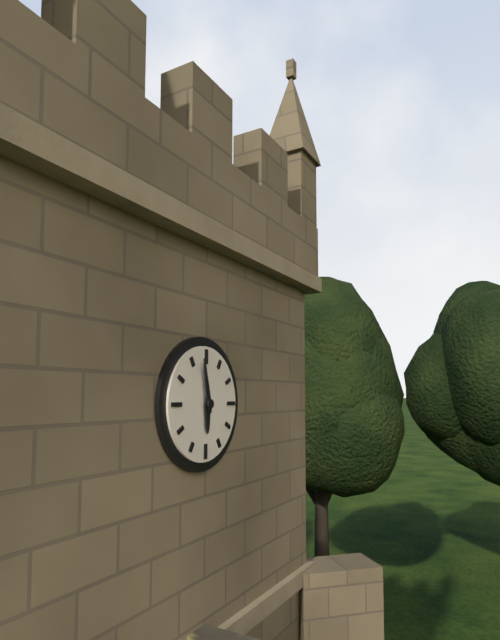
5:58
